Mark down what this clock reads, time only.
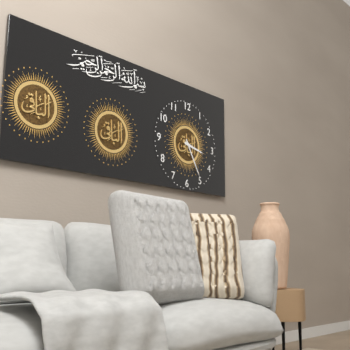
3:25
